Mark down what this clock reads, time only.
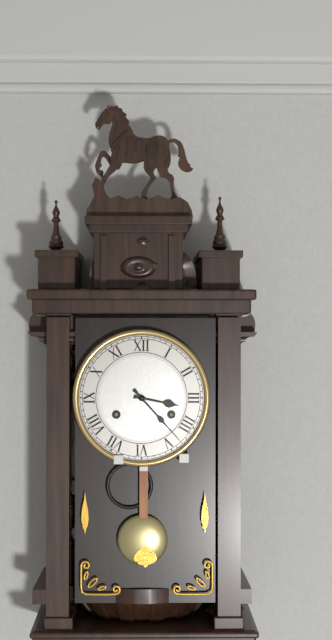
3:23
